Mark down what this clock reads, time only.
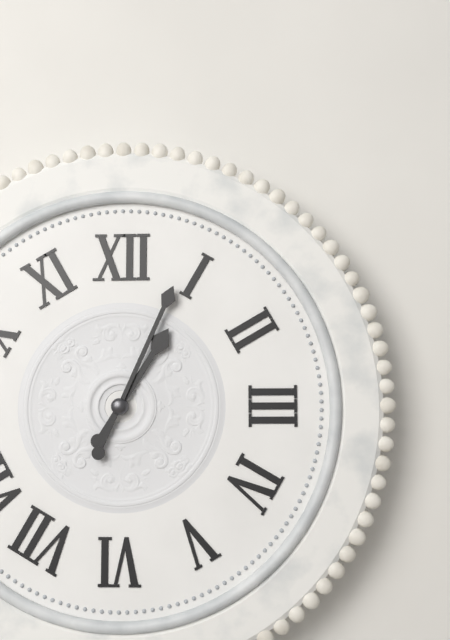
1:04
